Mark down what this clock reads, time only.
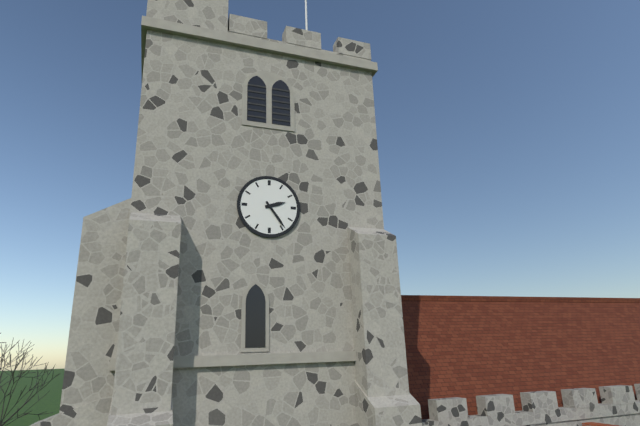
2:24
